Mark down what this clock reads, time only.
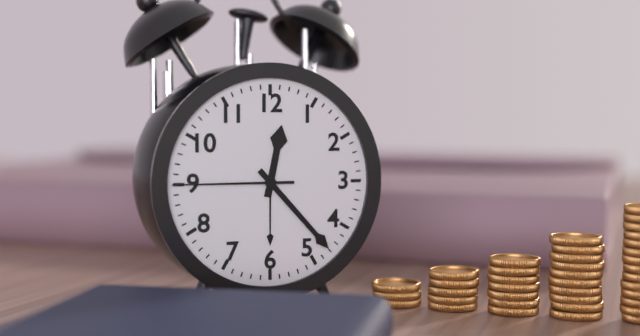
12:23:45
